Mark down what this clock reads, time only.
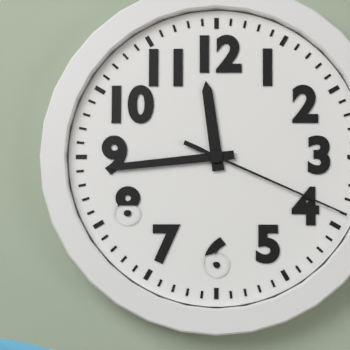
11:44:19
